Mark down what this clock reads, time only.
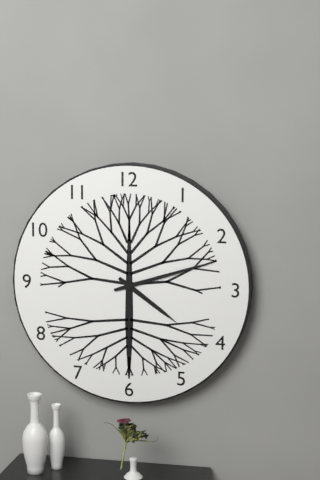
4:12
